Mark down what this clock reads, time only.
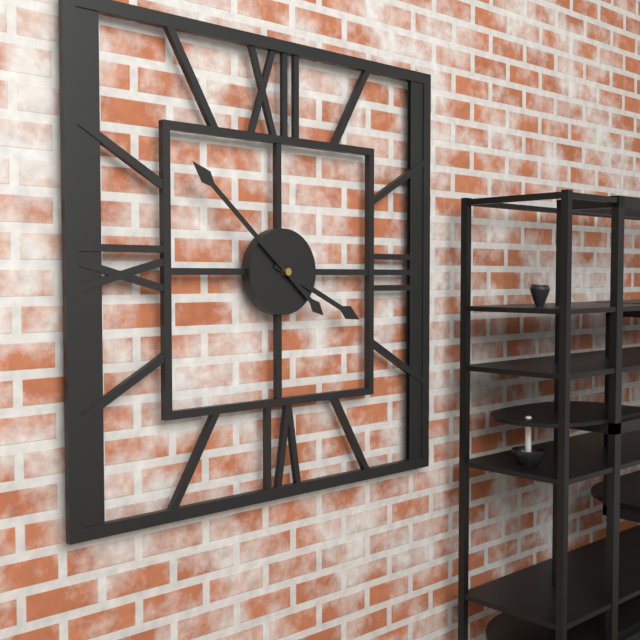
3:52
